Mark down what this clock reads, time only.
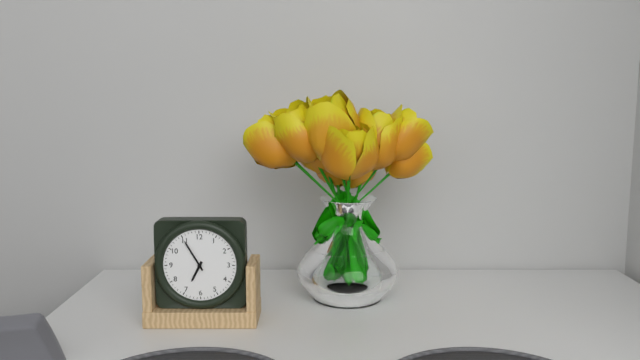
6:55
